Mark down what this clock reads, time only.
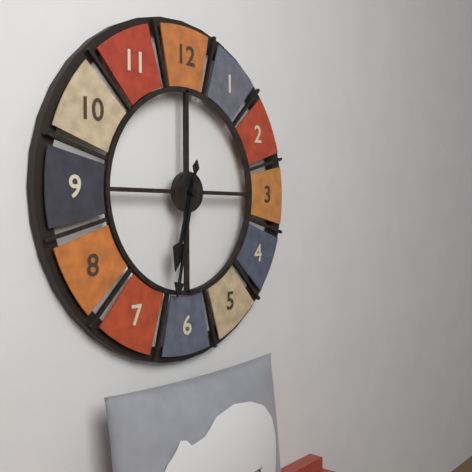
6:32
